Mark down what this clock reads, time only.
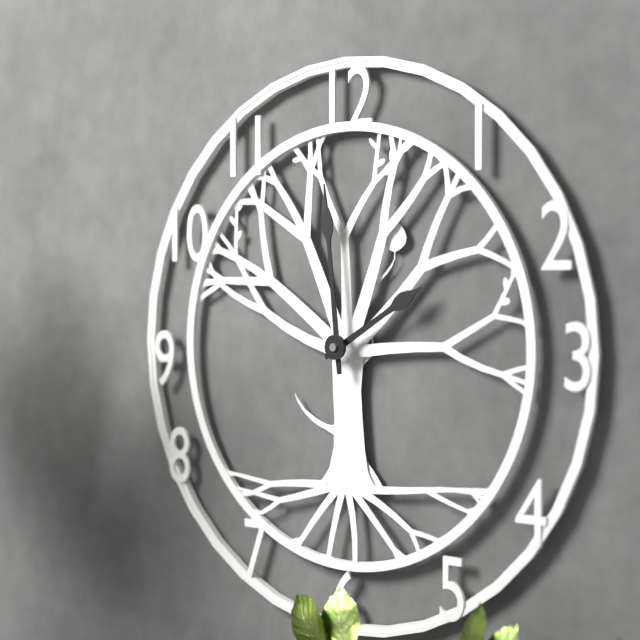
1:59
